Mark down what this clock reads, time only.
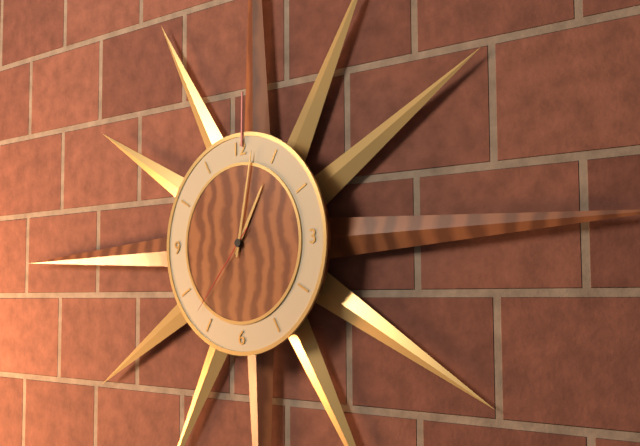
1:02:37
